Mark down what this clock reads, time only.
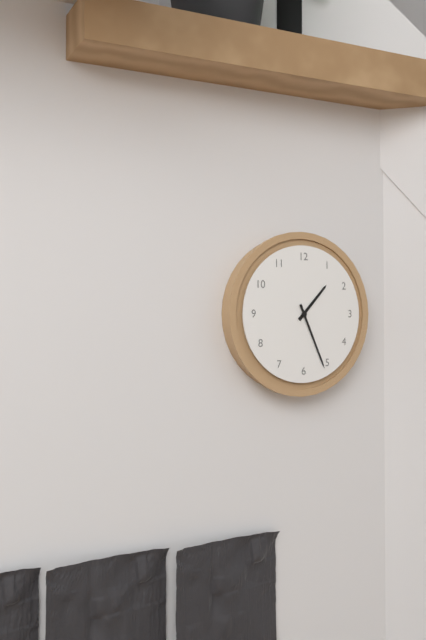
1:26
